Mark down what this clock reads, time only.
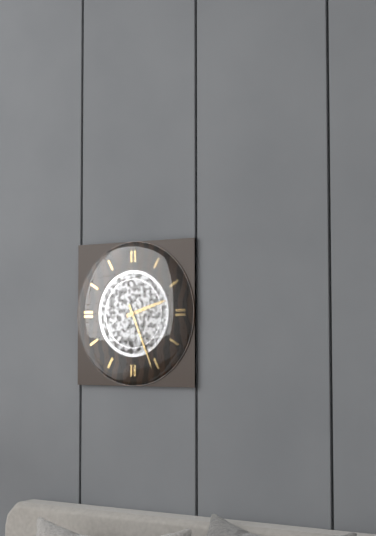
2:26
